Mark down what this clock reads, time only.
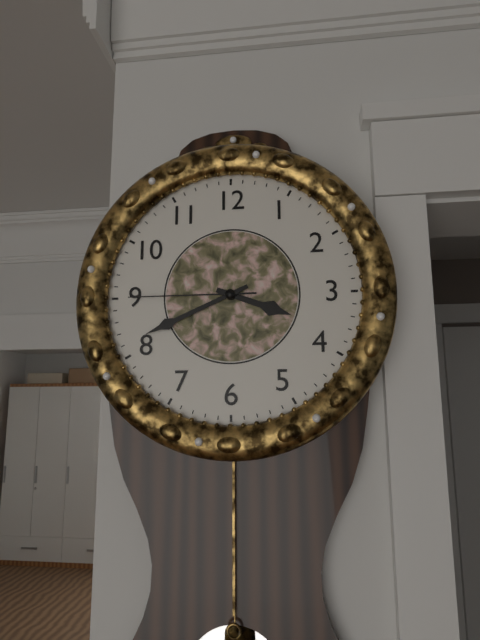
3:41:45
